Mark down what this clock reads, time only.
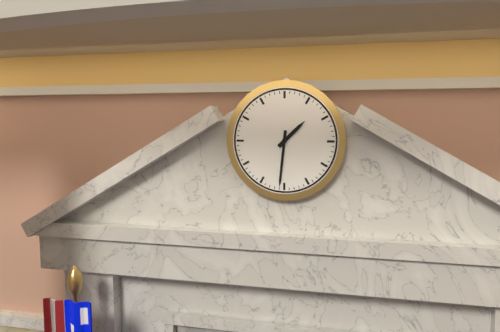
1:31
